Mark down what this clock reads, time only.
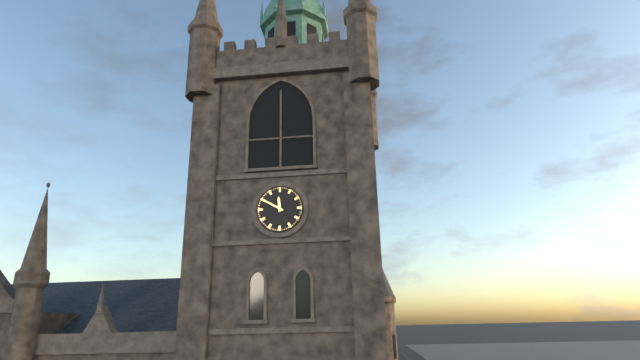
11:50
